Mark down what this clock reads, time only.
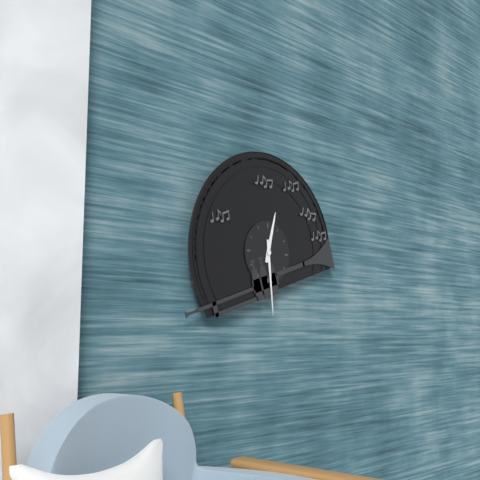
12:29
